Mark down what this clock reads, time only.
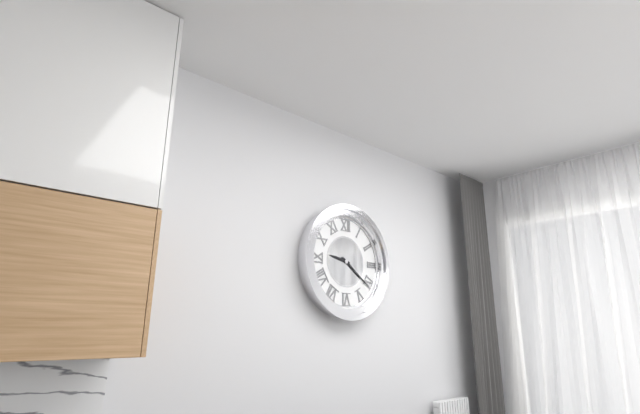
9:21
